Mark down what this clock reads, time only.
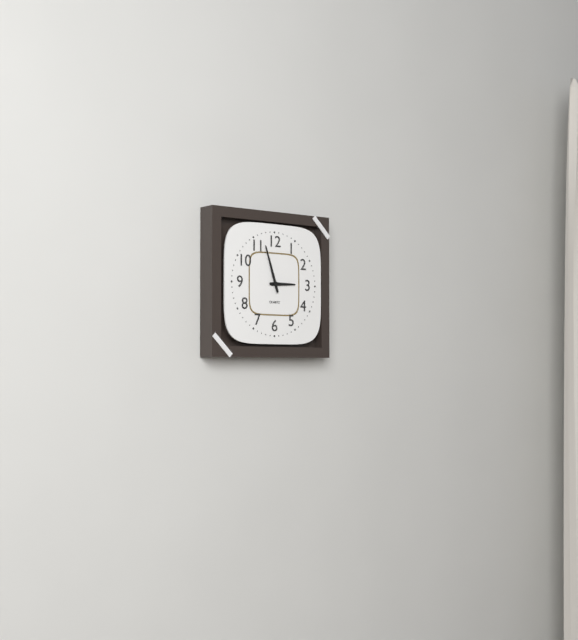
2:57
